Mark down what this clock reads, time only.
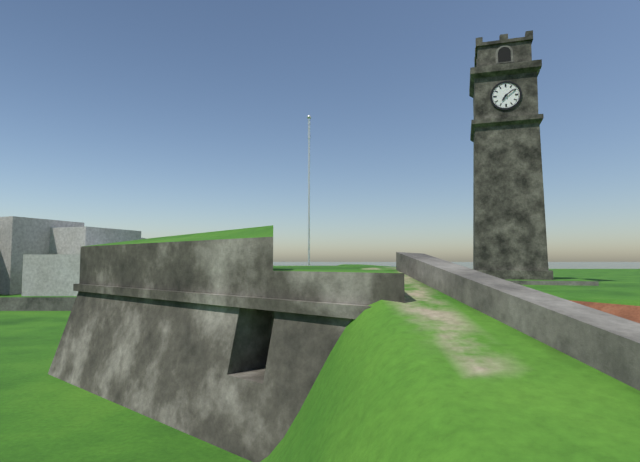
7:09
